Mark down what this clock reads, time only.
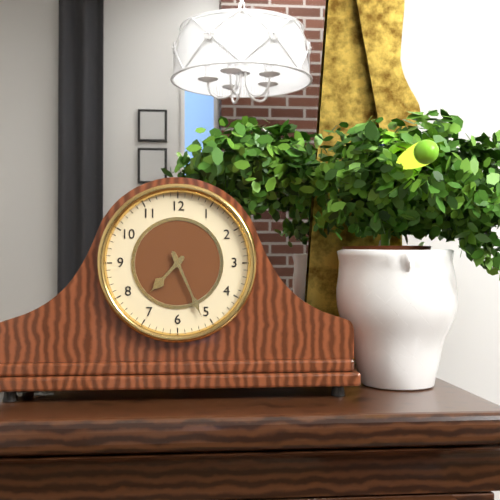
7:26
